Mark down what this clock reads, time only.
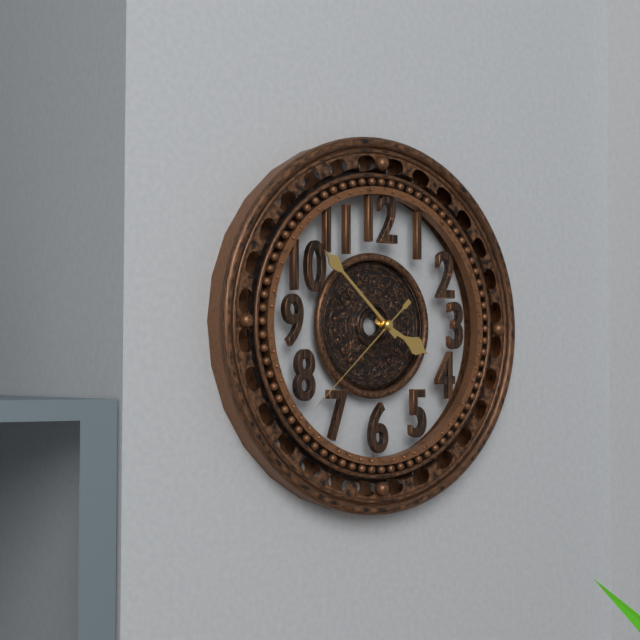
3:52:38
